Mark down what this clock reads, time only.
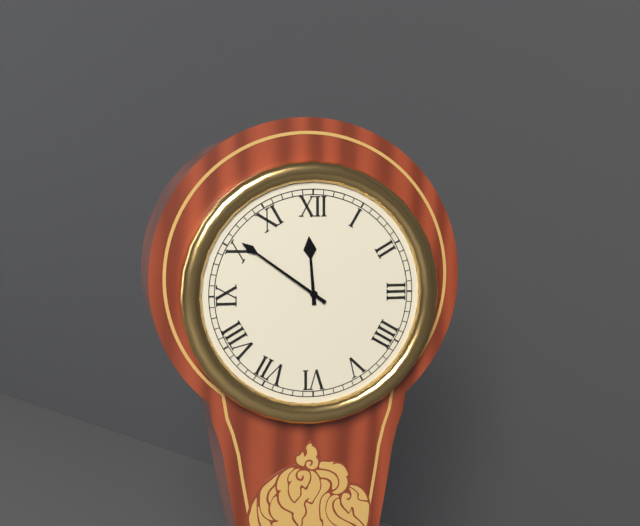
11:51
